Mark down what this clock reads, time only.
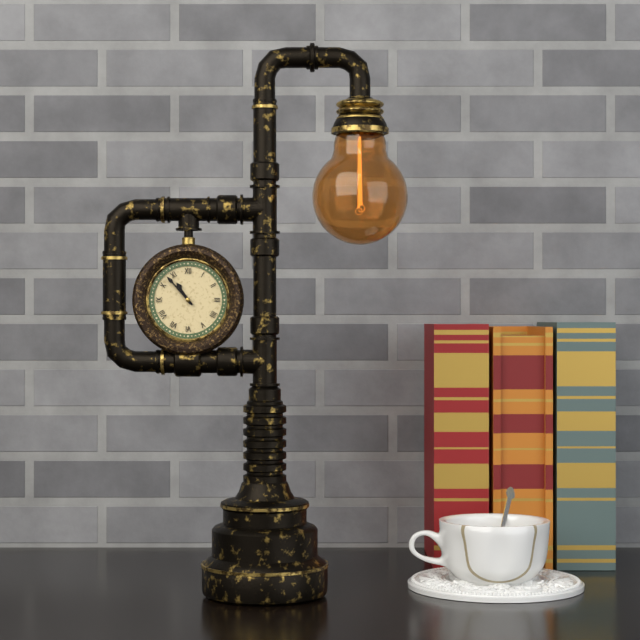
10:53
